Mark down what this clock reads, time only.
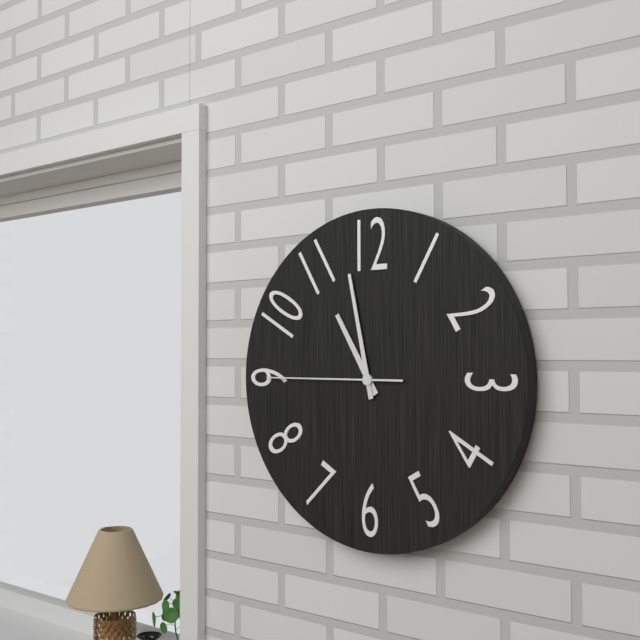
10:58:45
